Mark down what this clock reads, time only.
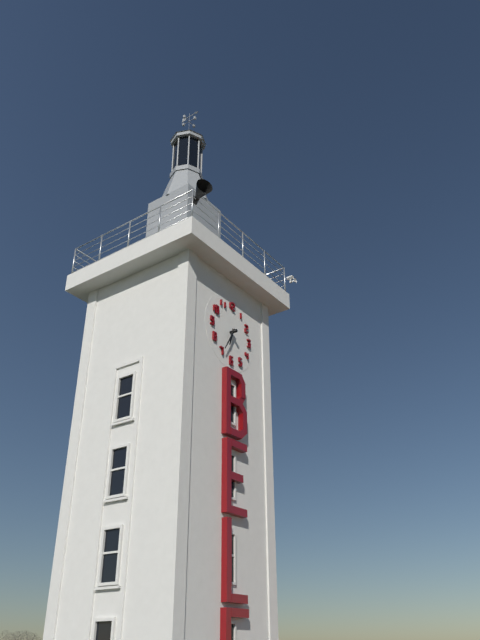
6:35
